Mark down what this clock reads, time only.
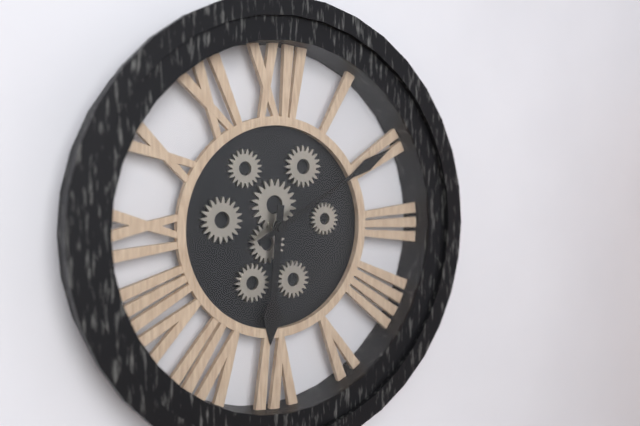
6:10
